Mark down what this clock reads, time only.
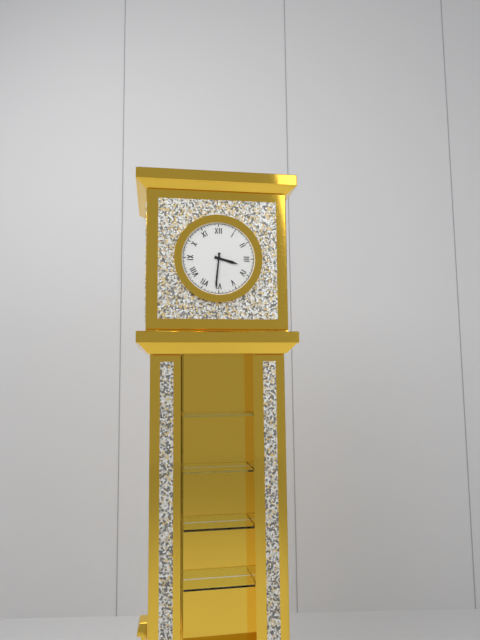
3:31
